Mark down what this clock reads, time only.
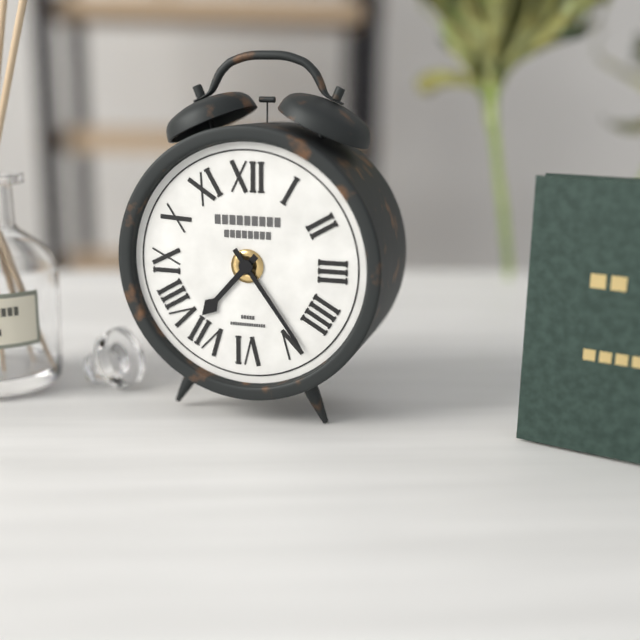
7:24
